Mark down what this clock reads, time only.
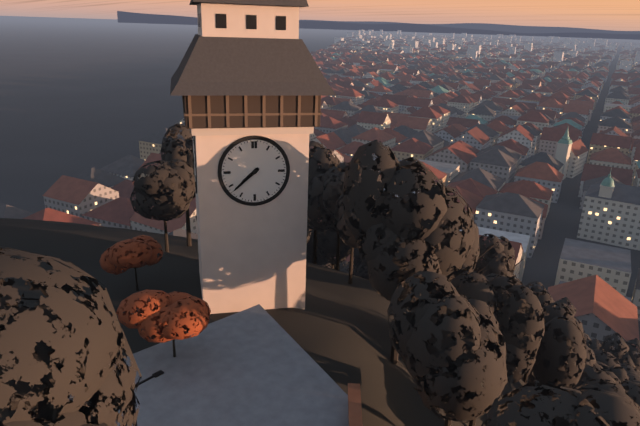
7:38
